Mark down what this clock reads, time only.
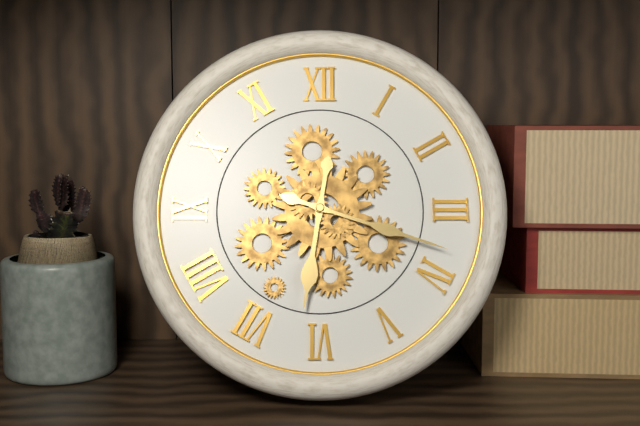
6:18
